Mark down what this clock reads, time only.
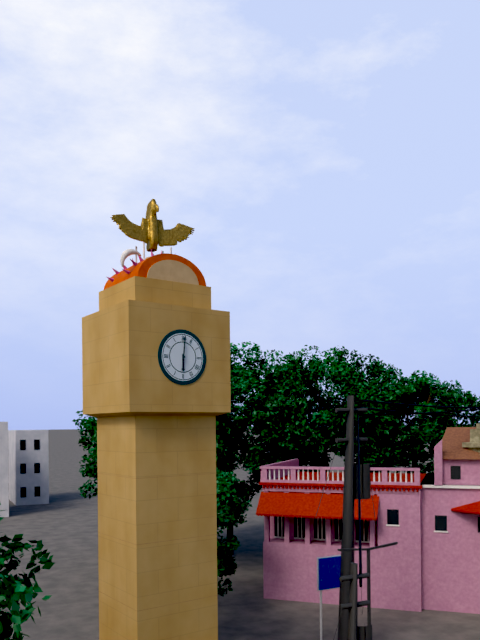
6:01
